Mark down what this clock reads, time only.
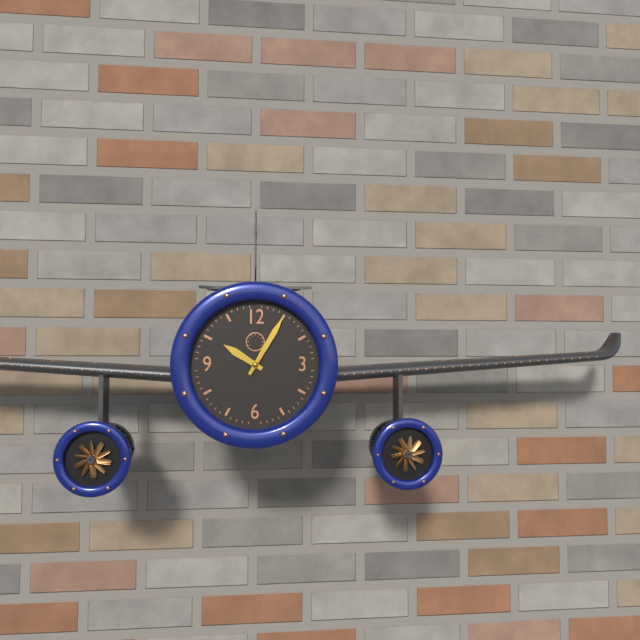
10:05
